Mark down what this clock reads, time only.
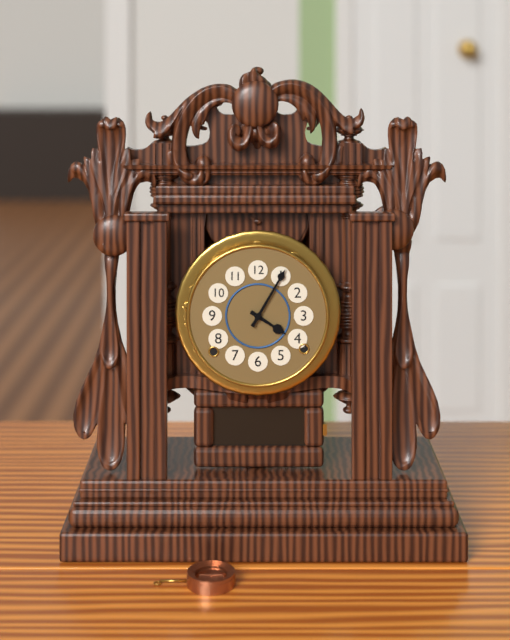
4:05
